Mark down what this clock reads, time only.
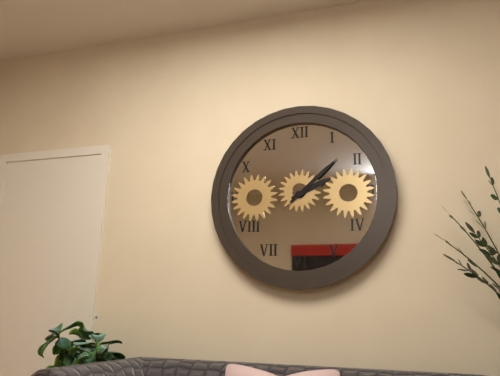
2:08
